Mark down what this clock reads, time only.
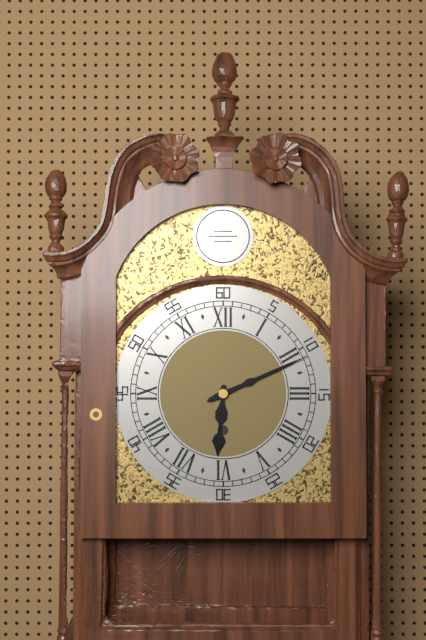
6:11
